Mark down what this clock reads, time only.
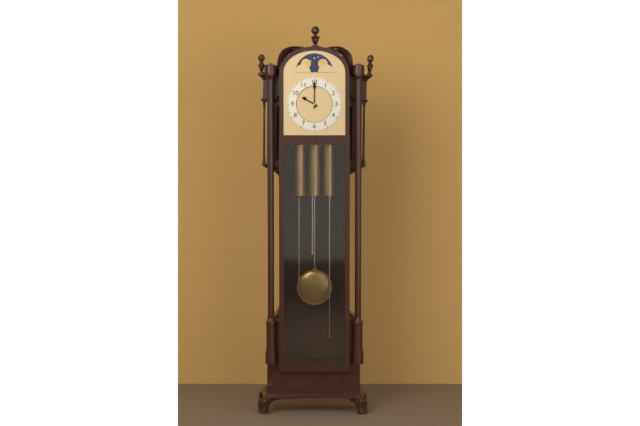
10:00
